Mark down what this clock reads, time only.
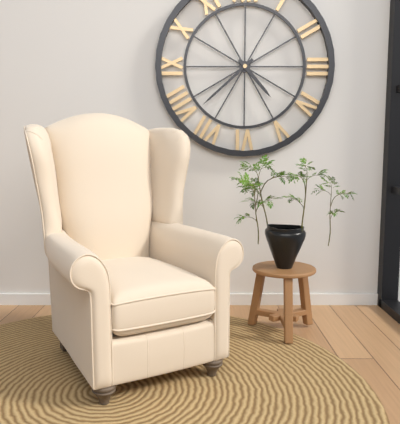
4:38
